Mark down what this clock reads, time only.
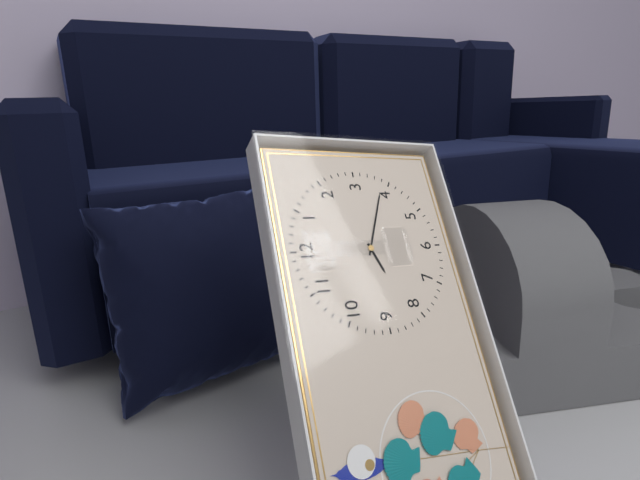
8:19
